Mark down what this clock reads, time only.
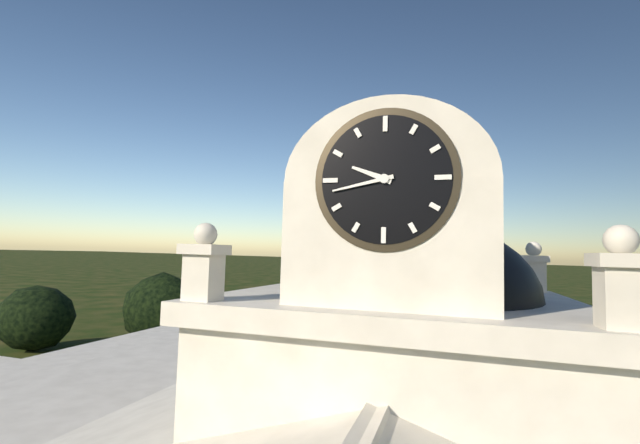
9:43
